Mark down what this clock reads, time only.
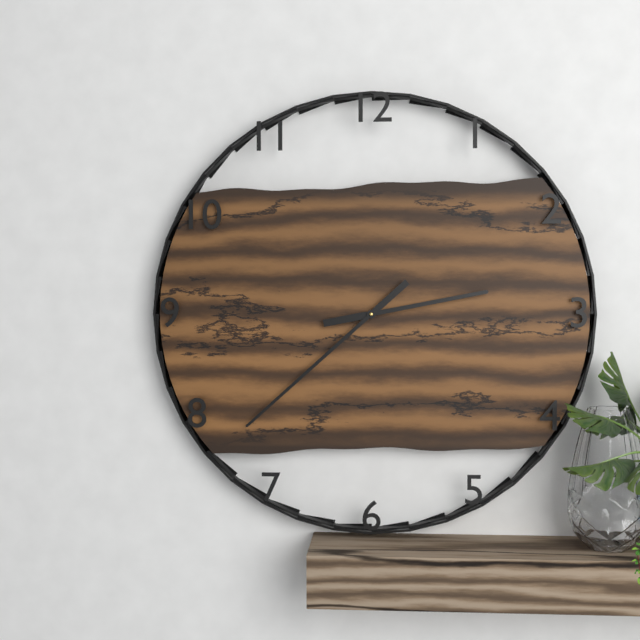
2:38
